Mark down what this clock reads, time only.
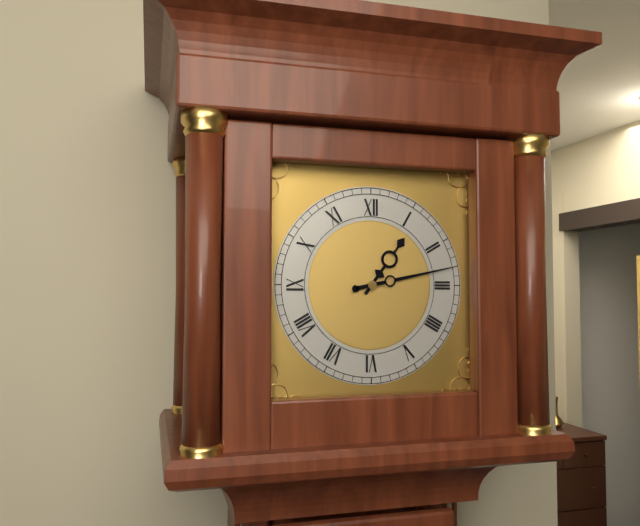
1:13
